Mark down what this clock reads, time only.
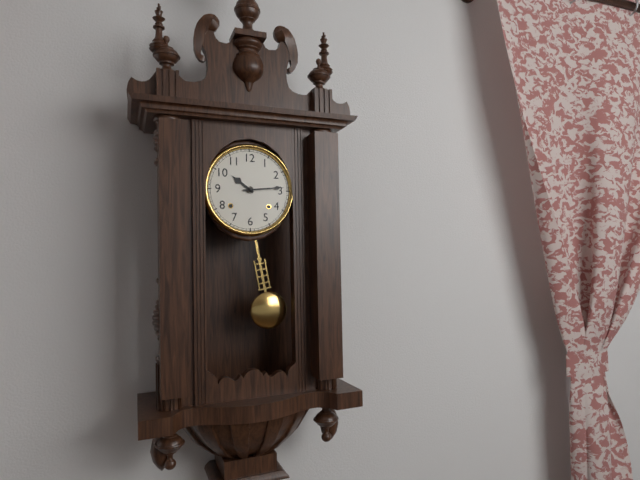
10:14
